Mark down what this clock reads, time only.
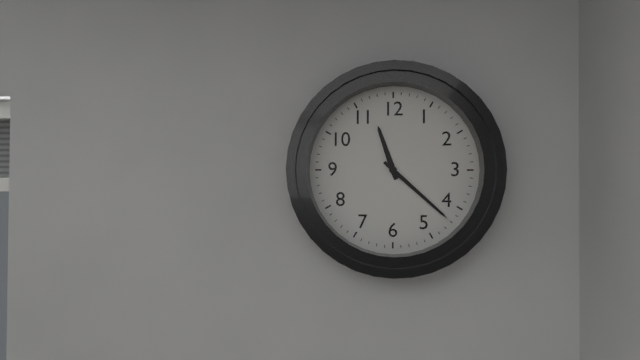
11:22
